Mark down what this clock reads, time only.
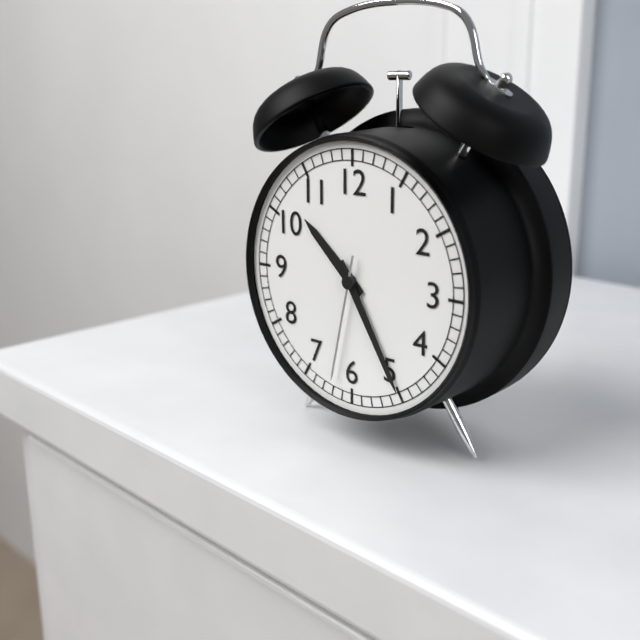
10:25:32
